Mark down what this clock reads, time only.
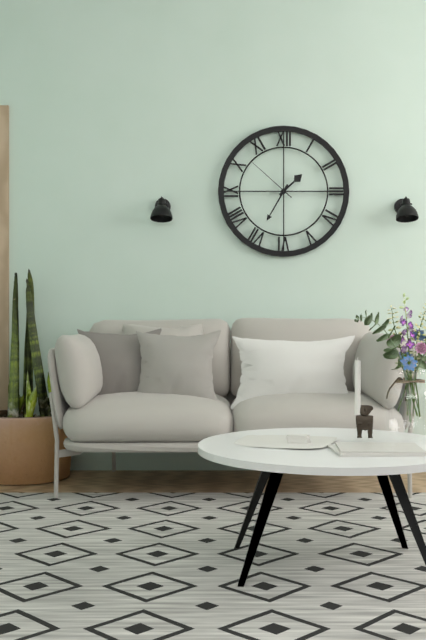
1:35:52
